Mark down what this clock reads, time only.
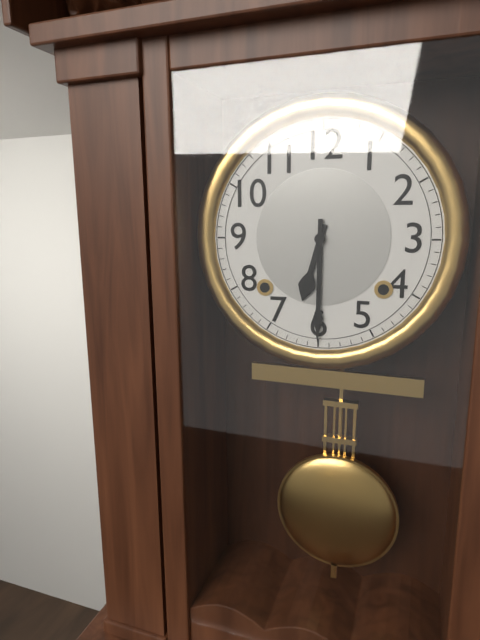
6:30
